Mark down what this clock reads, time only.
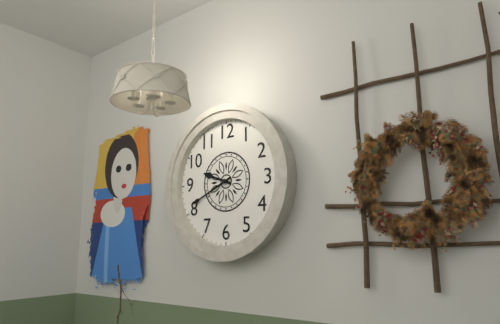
9:41
